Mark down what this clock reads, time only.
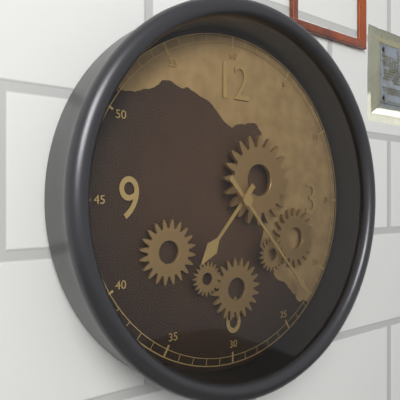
7:23
